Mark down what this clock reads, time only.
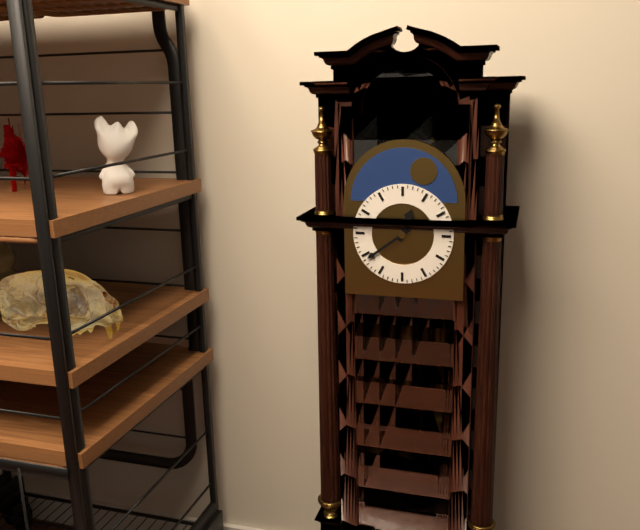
12:39
